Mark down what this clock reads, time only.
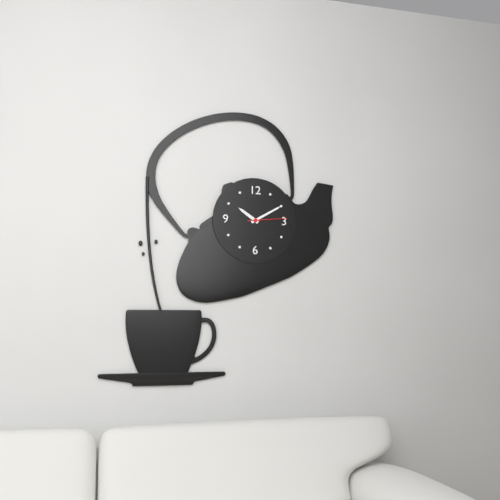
10:10
